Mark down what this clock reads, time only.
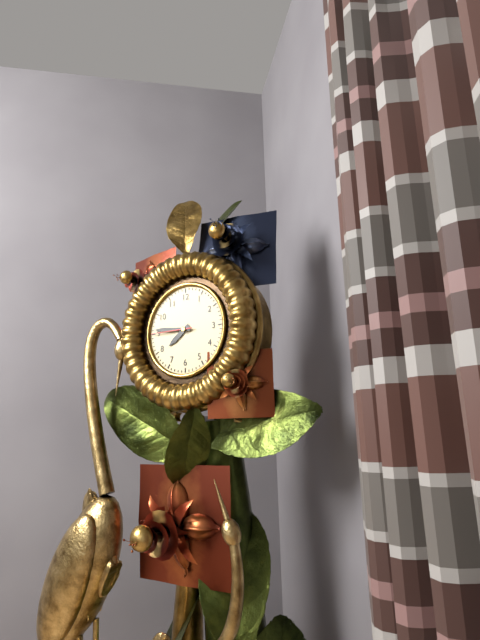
7:46
